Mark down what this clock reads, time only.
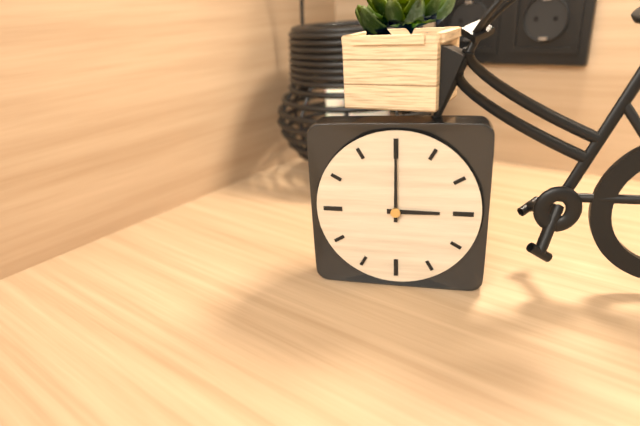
3:00
